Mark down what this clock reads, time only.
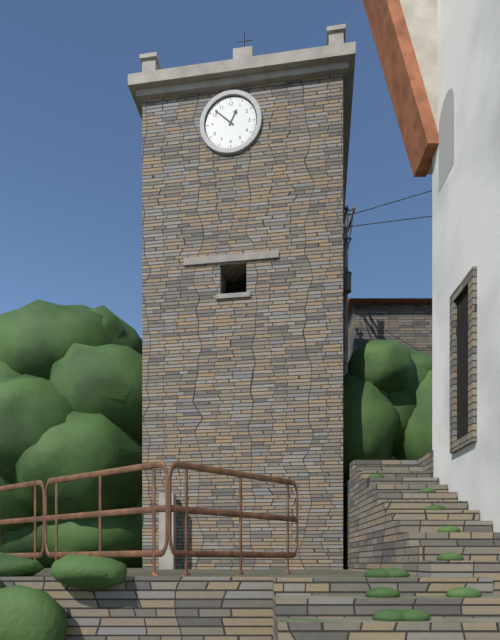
12:52
